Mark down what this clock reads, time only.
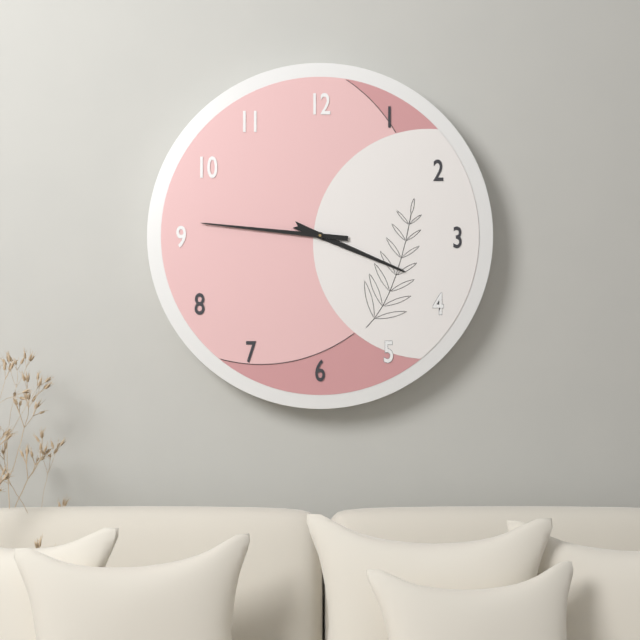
3:46
